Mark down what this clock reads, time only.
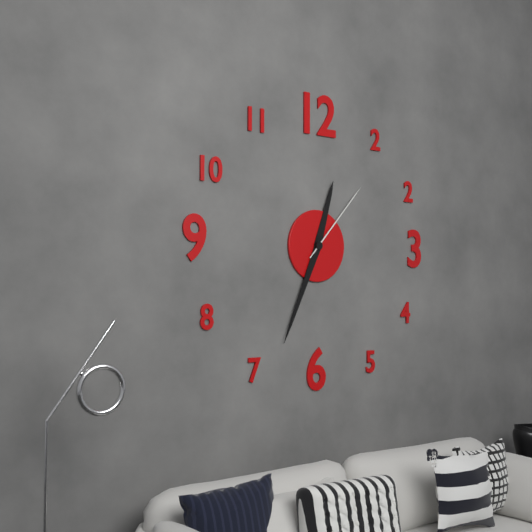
12:34:07
